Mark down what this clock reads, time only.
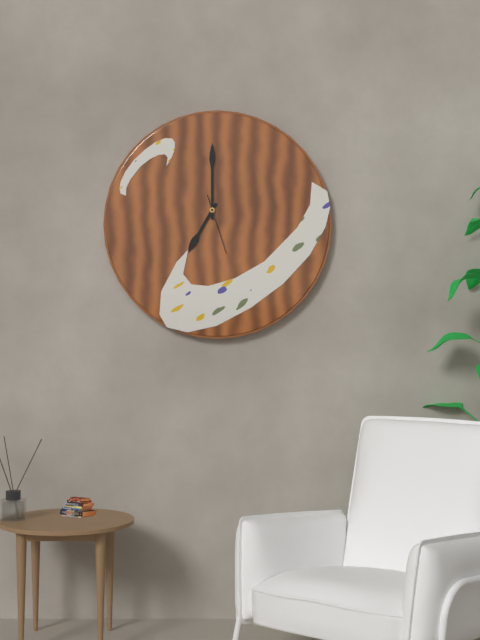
7:00:27
